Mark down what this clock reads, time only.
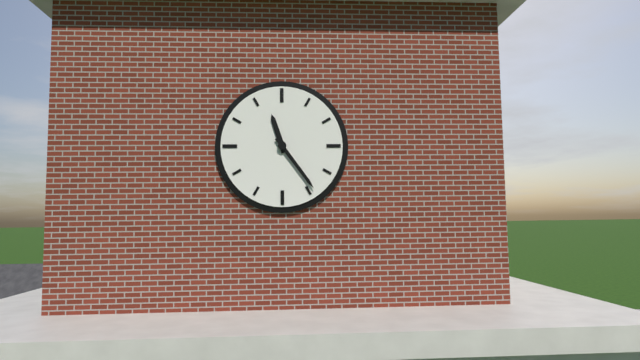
11:24
